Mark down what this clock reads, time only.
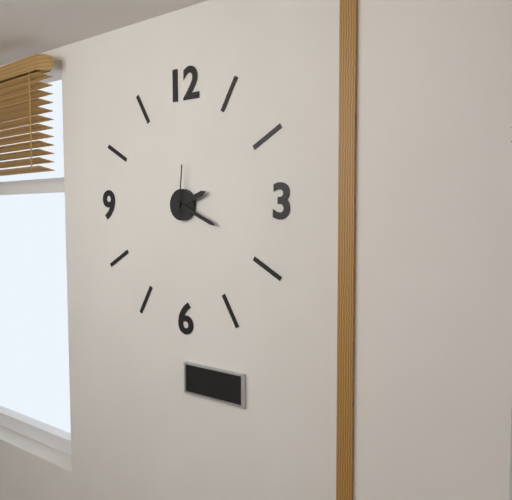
2:19:01
